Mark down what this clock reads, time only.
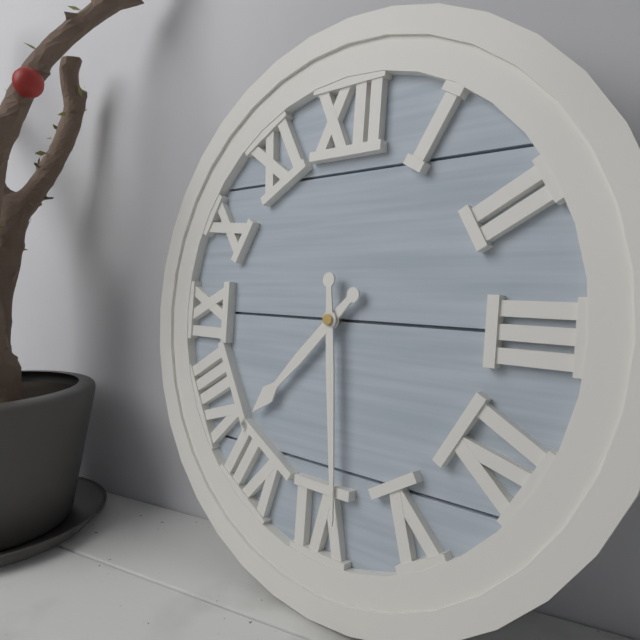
7:29
